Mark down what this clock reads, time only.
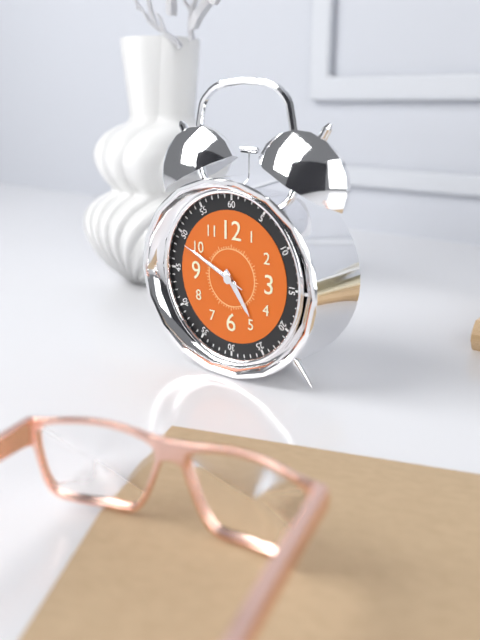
4:49:49
